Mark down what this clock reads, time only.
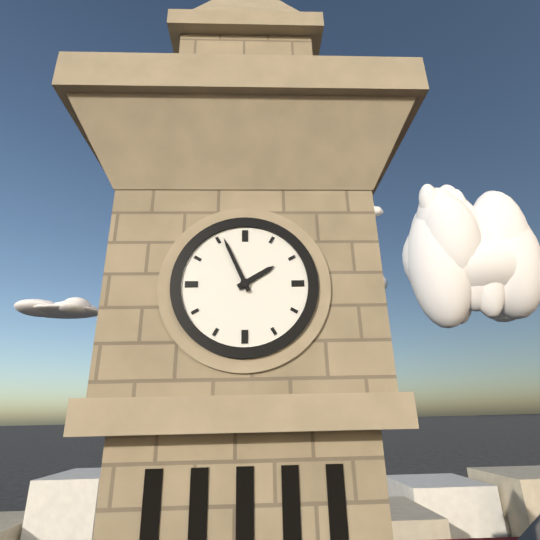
1:56
